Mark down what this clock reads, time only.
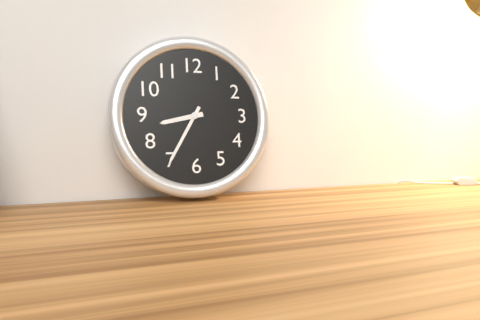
8:35
